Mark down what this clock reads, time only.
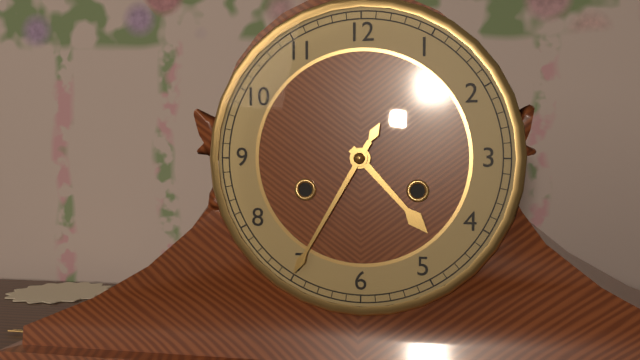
4:35
